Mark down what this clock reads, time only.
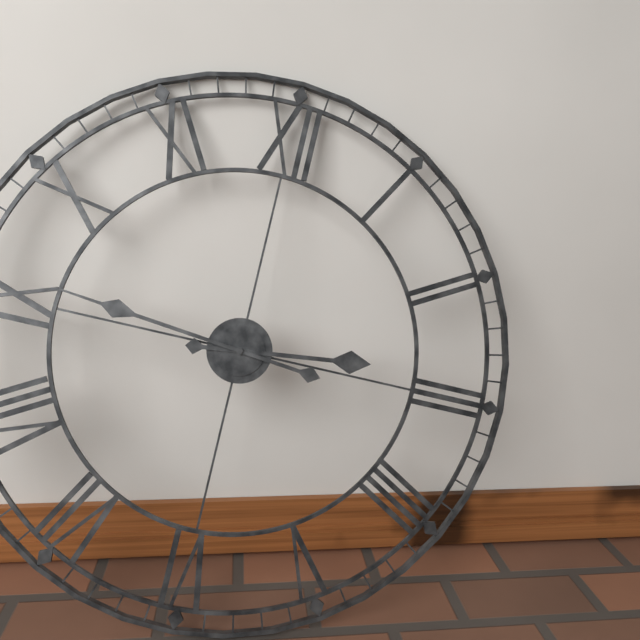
2:46
